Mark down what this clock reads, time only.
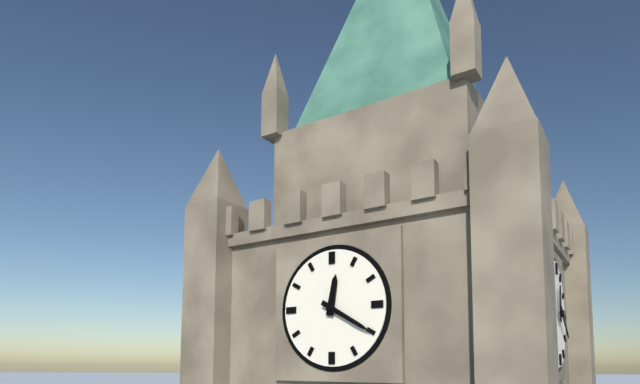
12:20
